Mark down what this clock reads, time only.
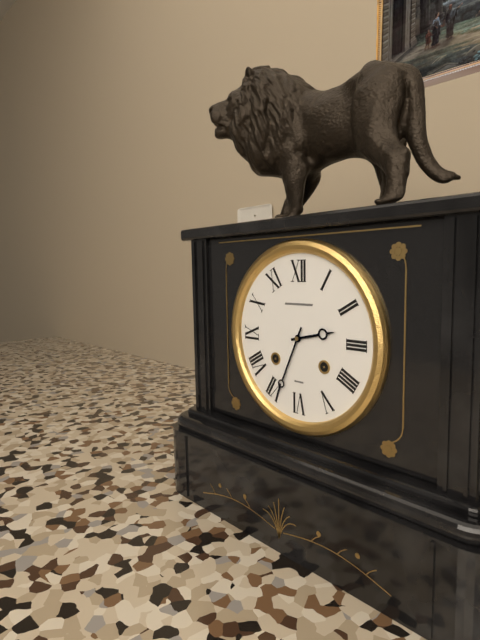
2:34
